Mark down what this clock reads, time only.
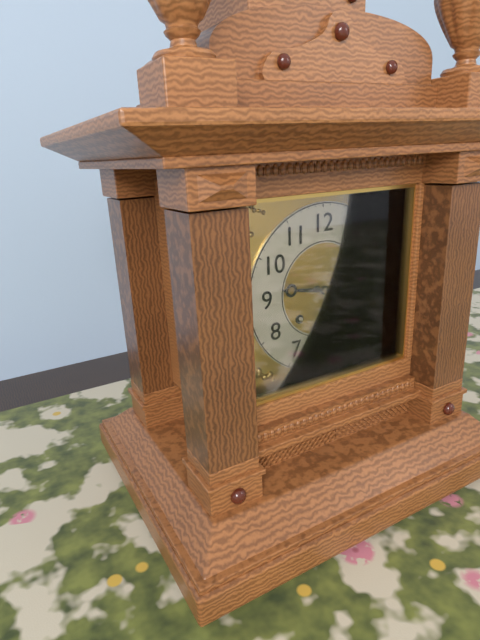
9:18
